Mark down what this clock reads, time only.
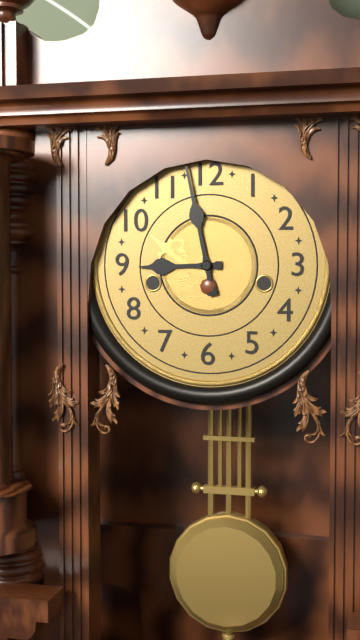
8:58
